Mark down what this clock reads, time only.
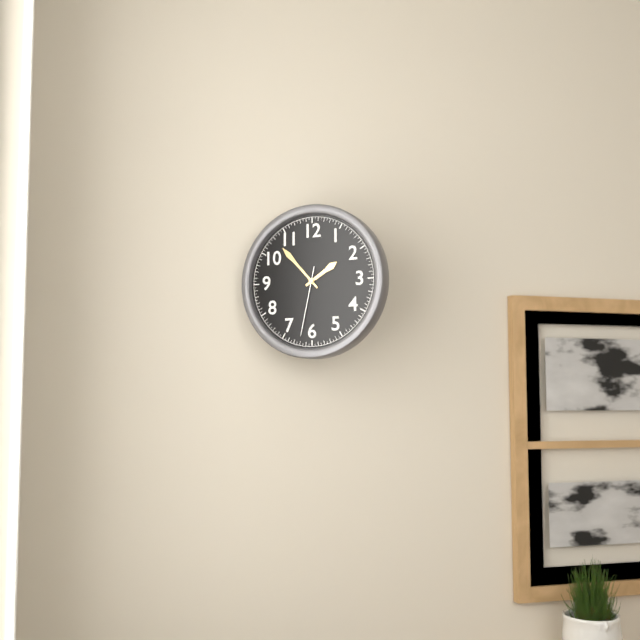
1:53:32
